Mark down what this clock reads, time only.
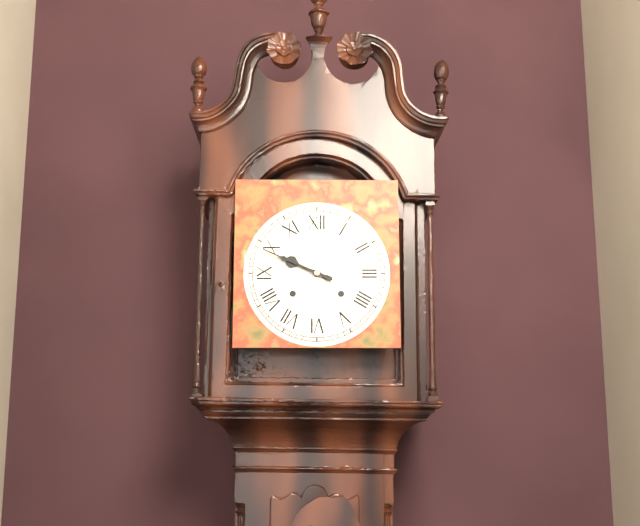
9:49
